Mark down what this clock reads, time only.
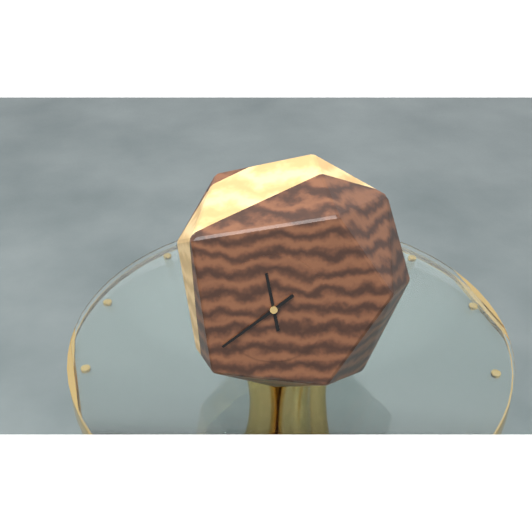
11:39
